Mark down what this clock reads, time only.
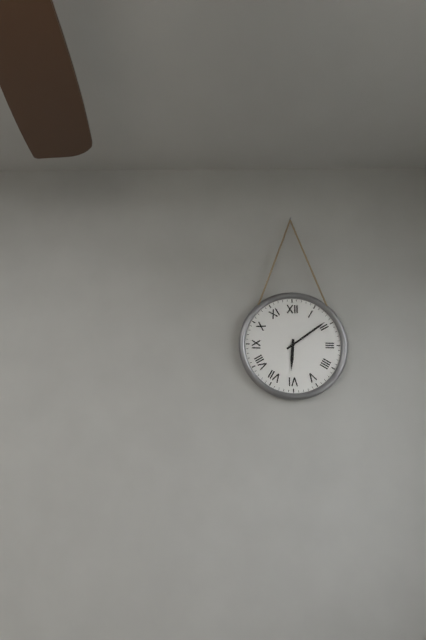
6:09
